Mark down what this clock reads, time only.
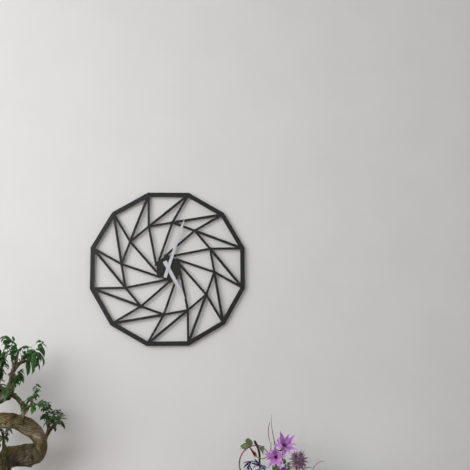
5:03
